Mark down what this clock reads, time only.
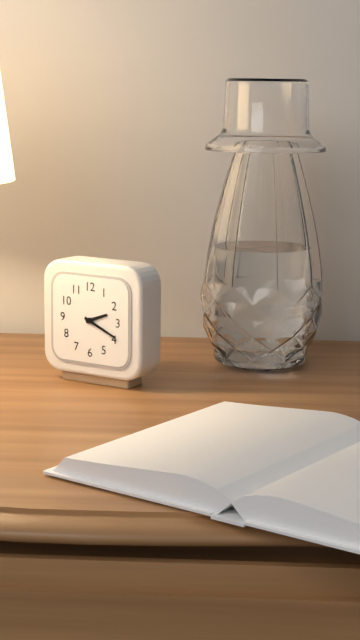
2:19
